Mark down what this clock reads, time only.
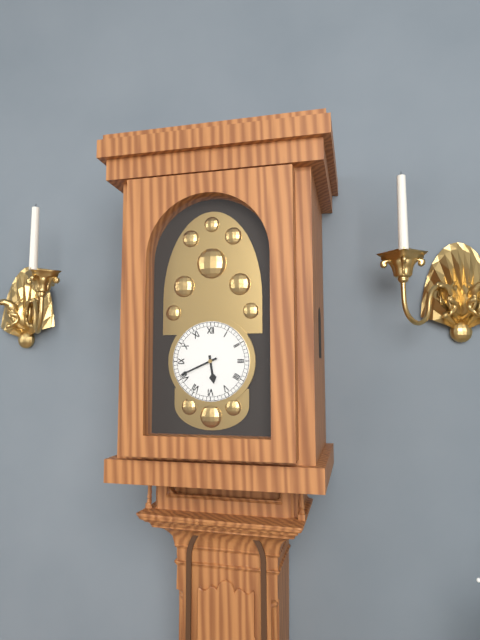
5:41
